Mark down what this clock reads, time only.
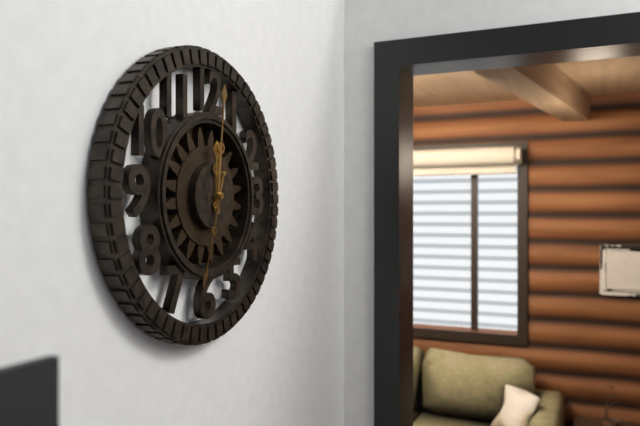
12:01:33
